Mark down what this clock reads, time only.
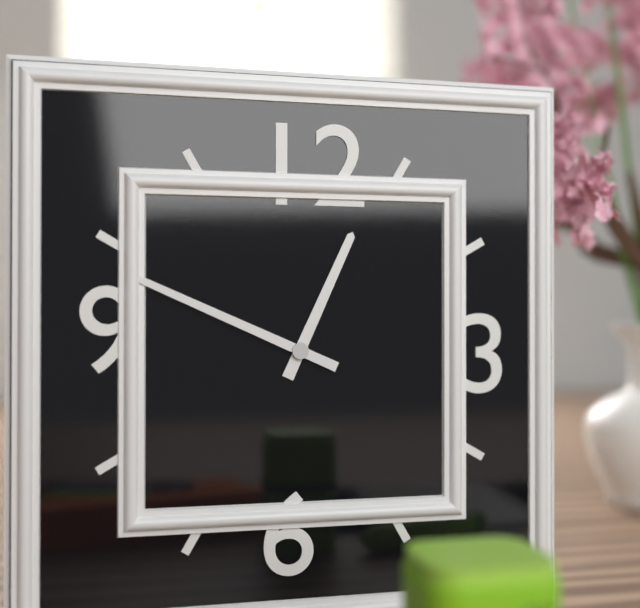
12:49
